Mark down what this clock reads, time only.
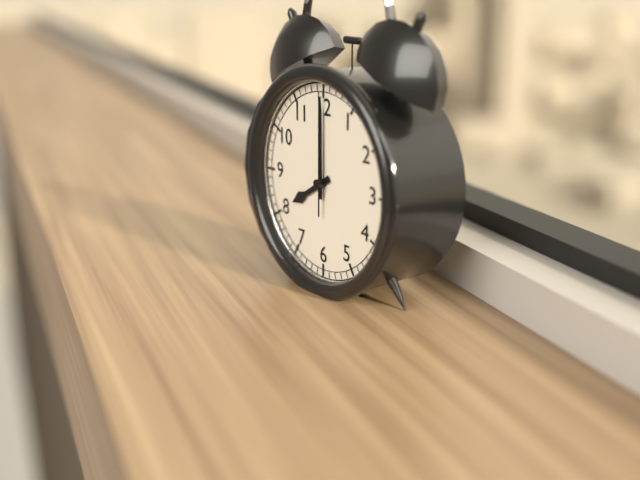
8:00:00
